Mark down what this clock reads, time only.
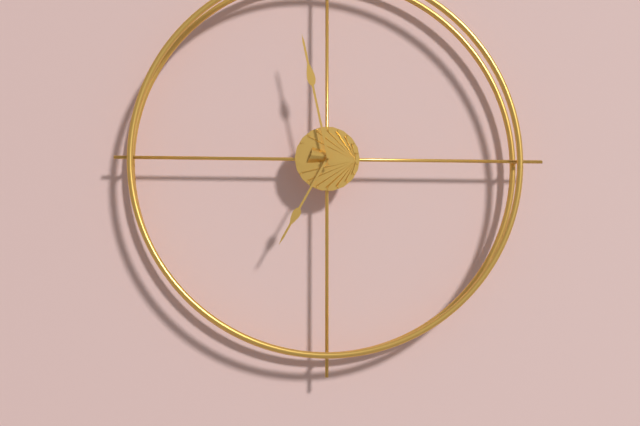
6:58
